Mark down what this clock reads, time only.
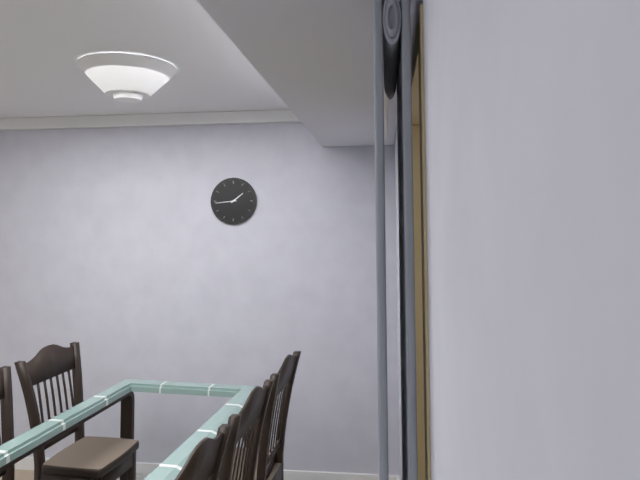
1:44
